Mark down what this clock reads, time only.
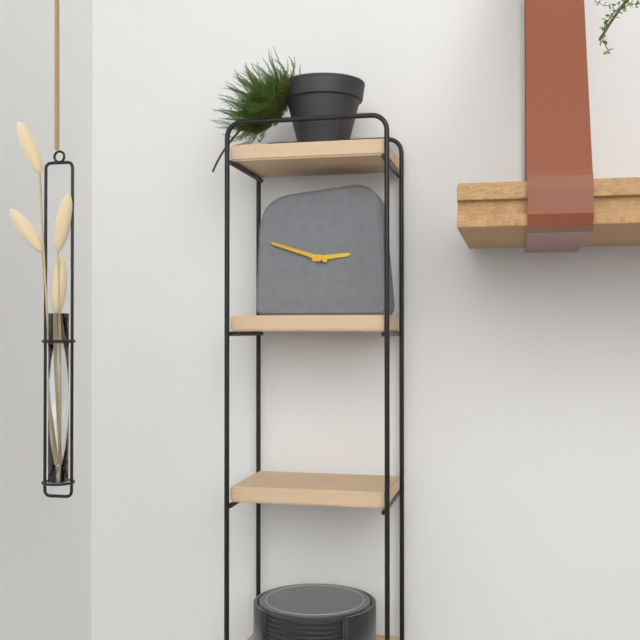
2:48
